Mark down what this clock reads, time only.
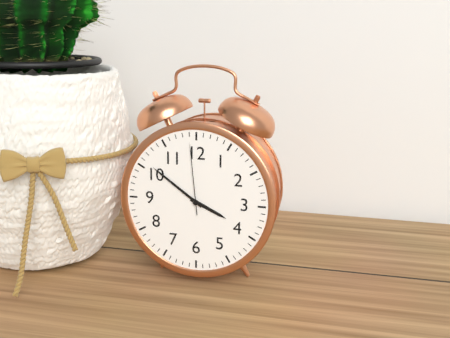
3:51:59
